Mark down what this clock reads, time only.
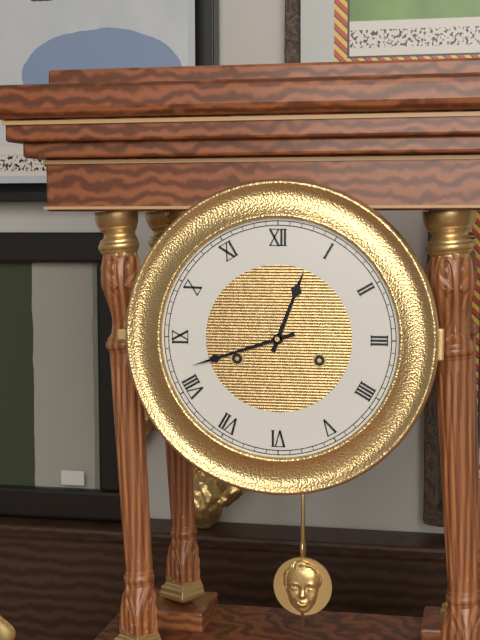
12:42
